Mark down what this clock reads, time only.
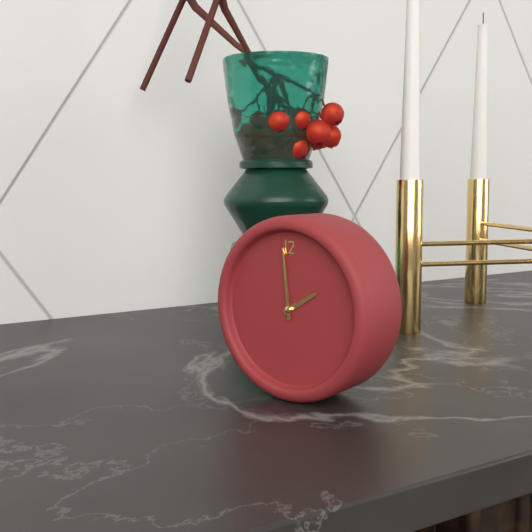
1:59
